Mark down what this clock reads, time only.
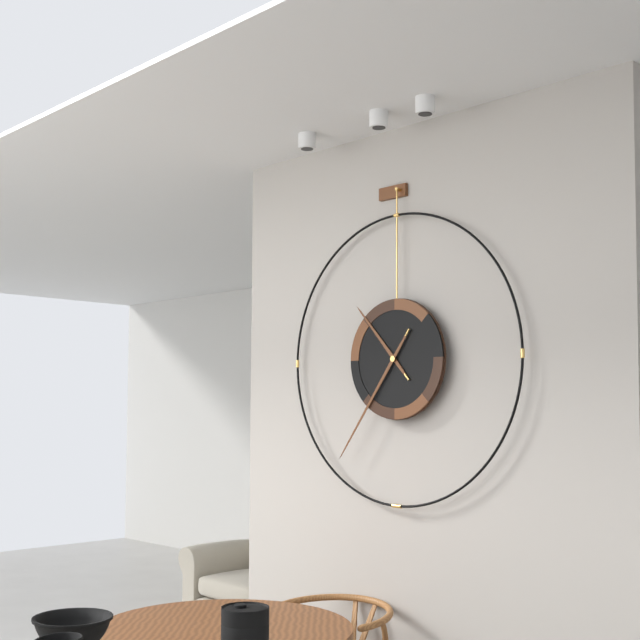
10:36
